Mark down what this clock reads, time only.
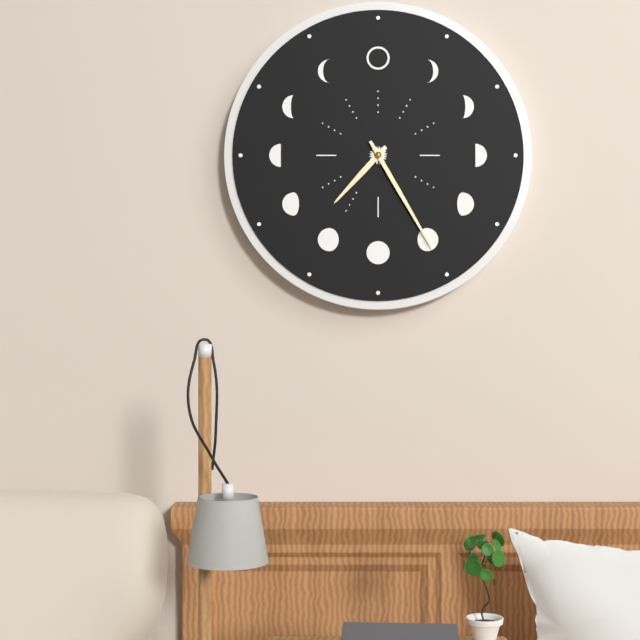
7:25
